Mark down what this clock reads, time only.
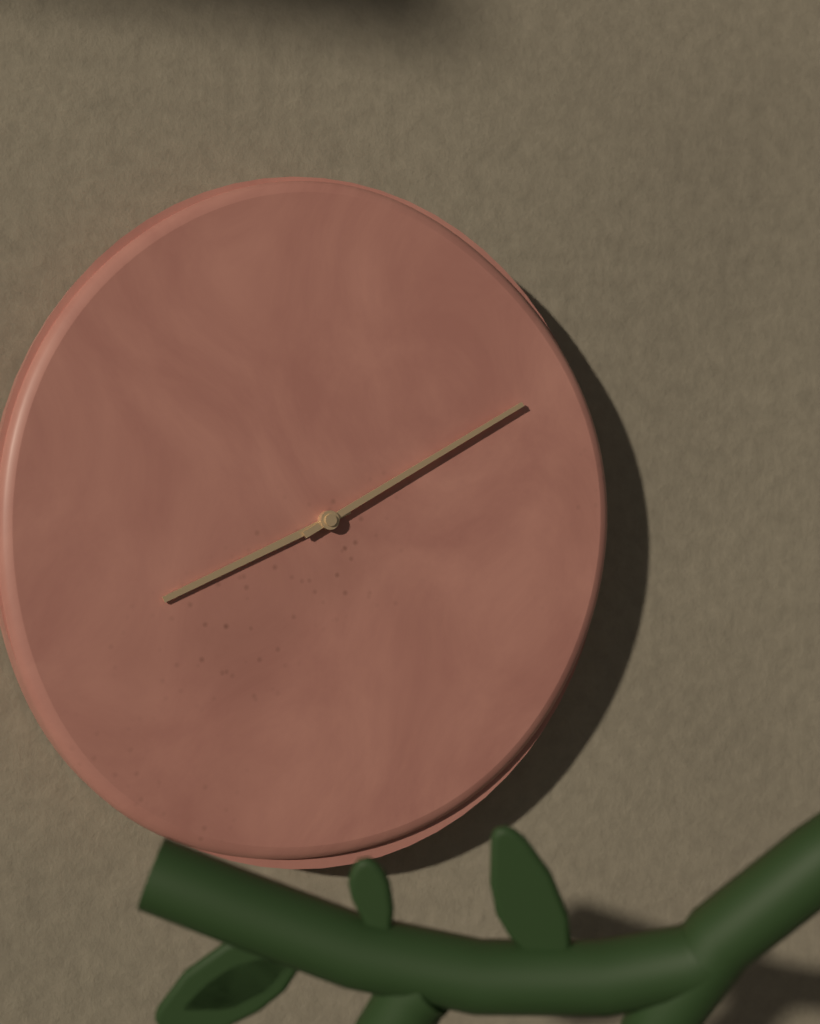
8:10
